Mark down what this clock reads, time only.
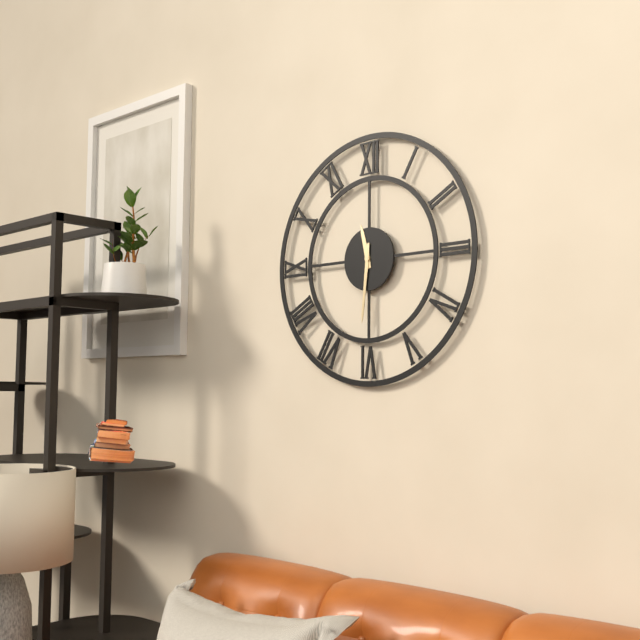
11:31
